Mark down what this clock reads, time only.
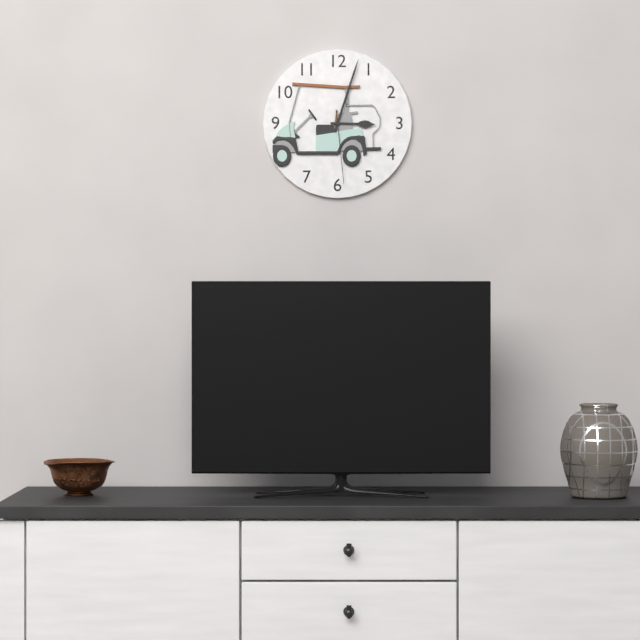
3:03:29
